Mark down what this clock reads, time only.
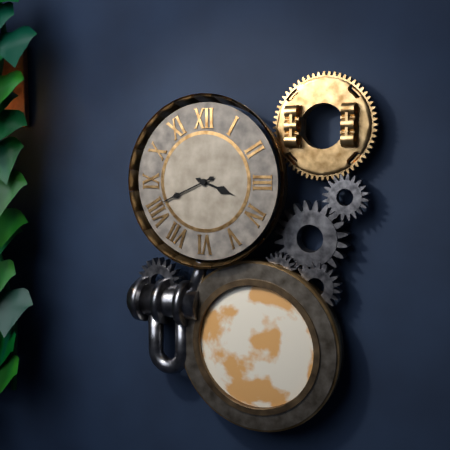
3:41
